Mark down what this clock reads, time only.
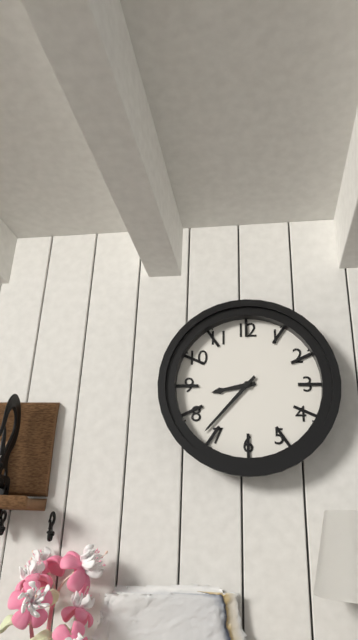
8:37
